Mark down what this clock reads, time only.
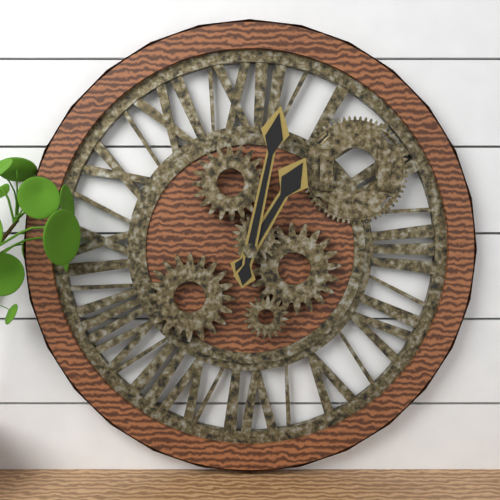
1:02
